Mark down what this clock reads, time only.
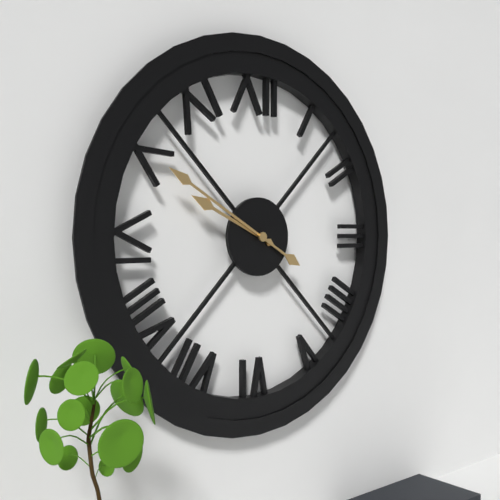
9:50
